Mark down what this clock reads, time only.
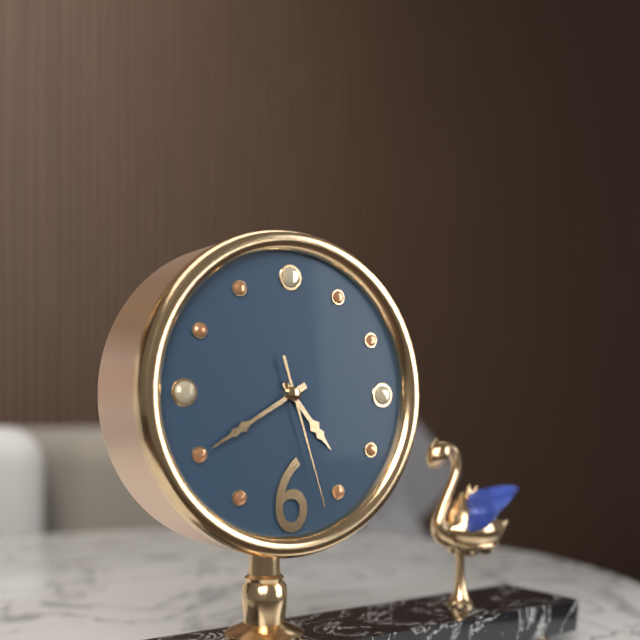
4:40:27
